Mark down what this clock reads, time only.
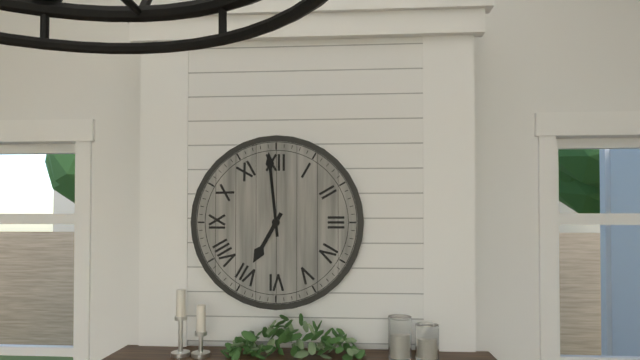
6:59
